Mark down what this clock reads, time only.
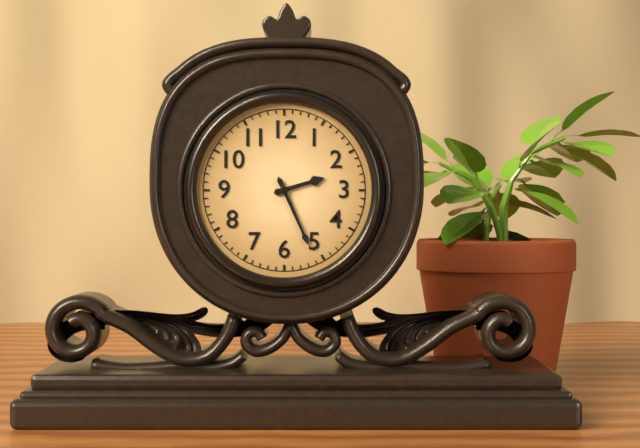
2:26
